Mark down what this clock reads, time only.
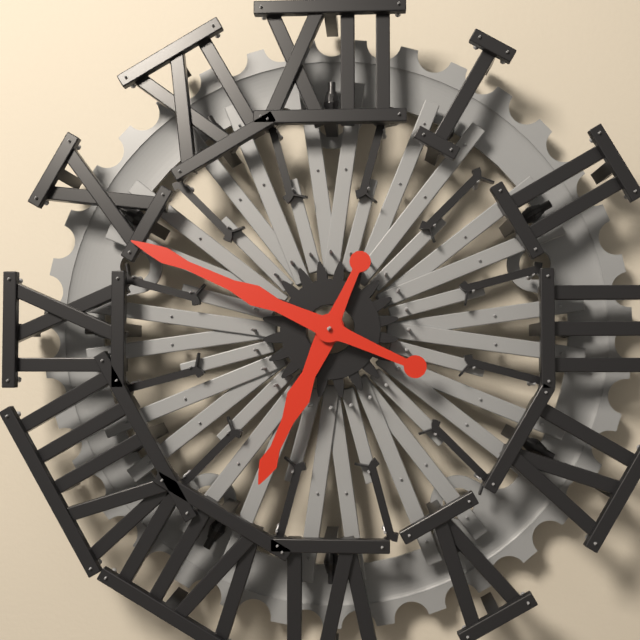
6:49
